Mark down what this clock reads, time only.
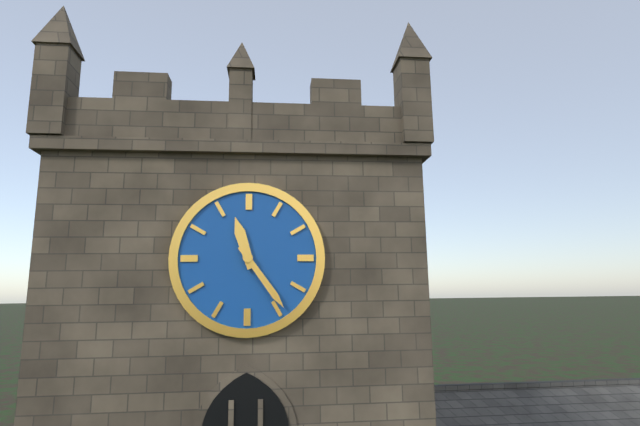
11:24
